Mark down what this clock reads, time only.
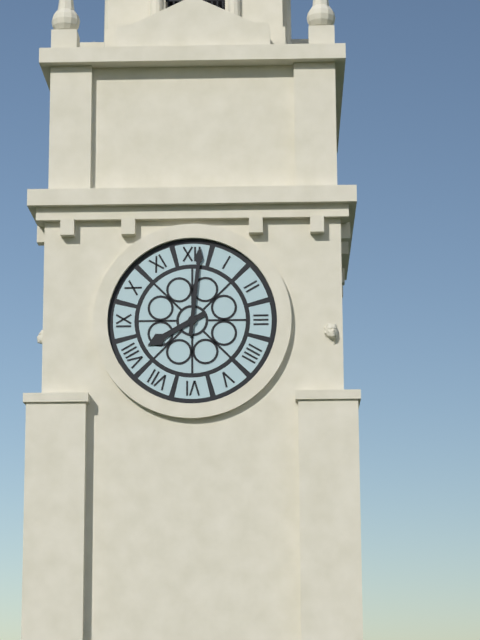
8:01
